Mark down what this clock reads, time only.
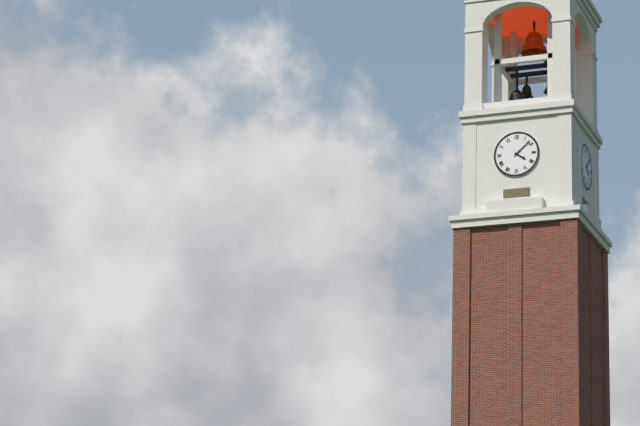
4:08
